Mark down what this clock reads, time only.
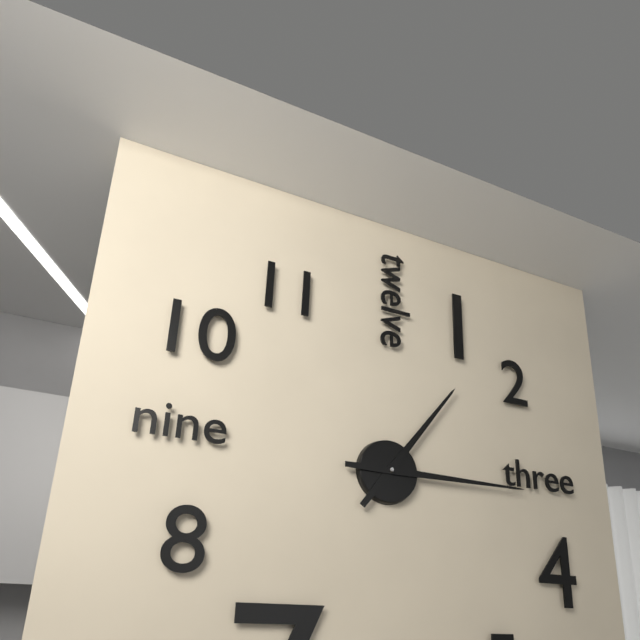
1:15
